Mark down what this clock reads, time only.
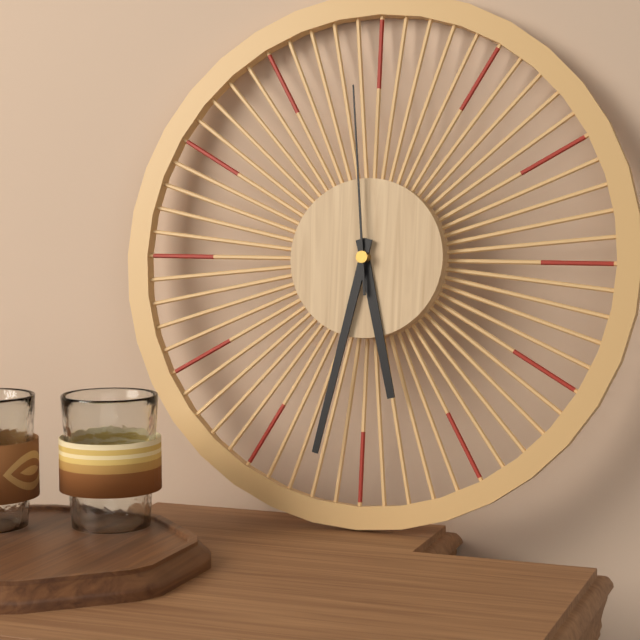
5:32:59
